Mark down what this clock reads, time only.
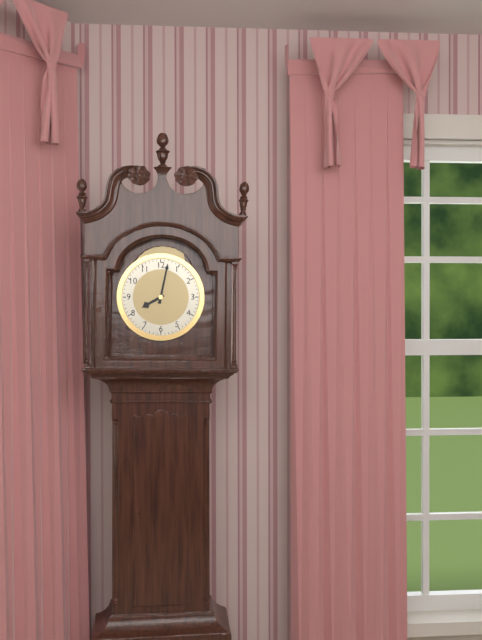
8:02
